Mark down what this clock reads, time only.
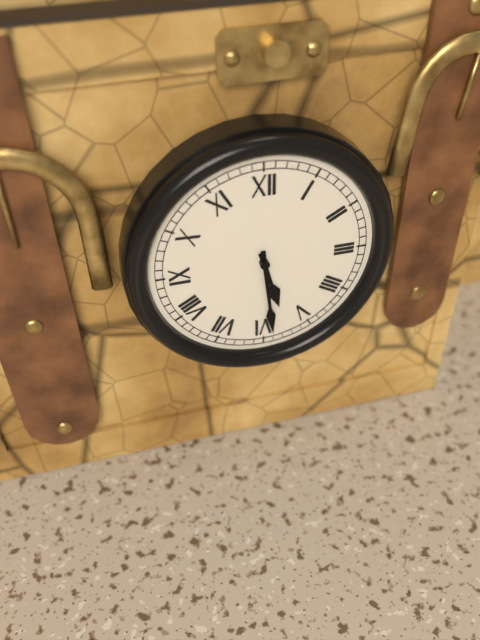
5:29
